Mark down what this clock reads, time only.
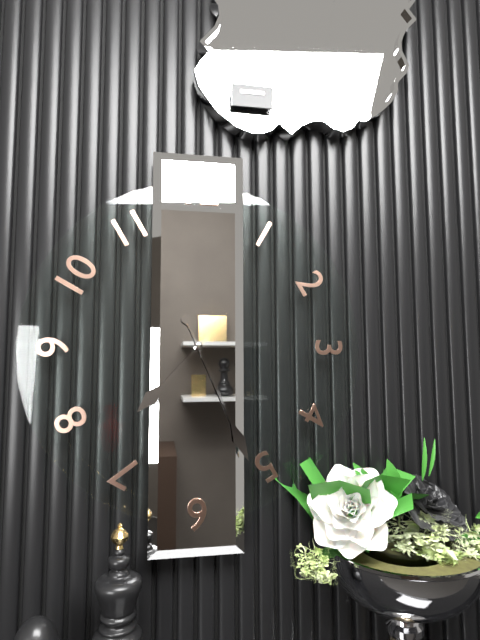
7:26
